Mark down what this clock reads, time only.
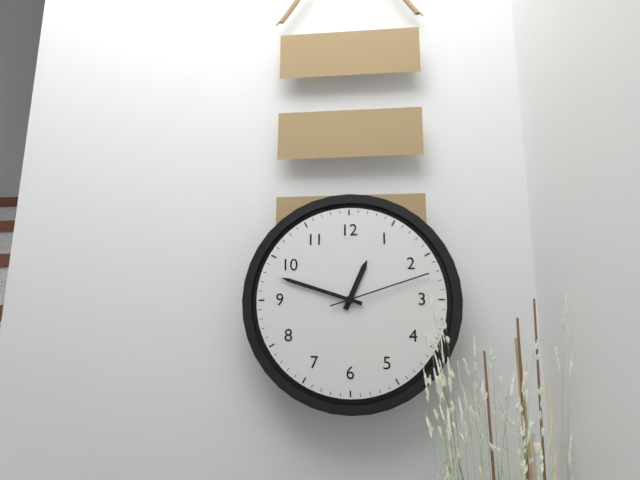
12:48:12
